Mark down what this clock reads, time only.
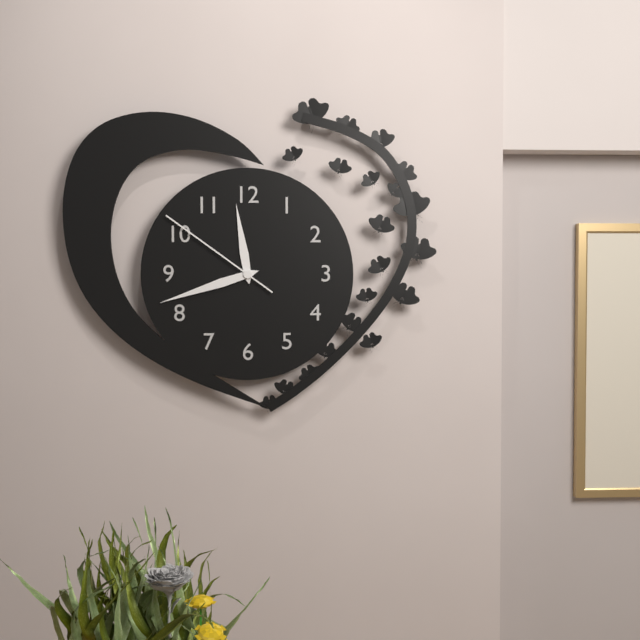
11:42:51
